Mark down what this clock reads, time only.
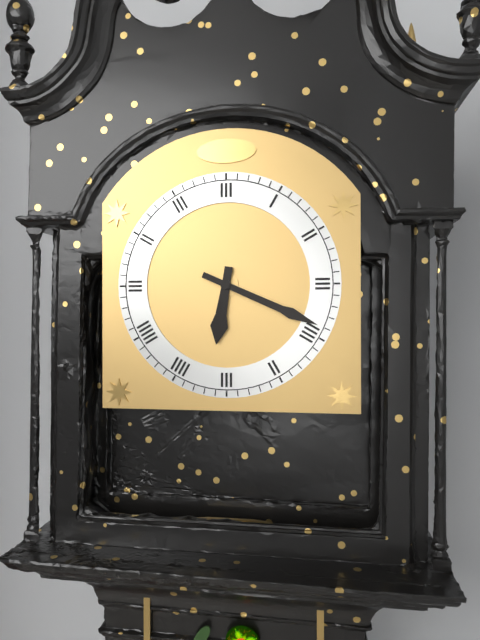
6:19
